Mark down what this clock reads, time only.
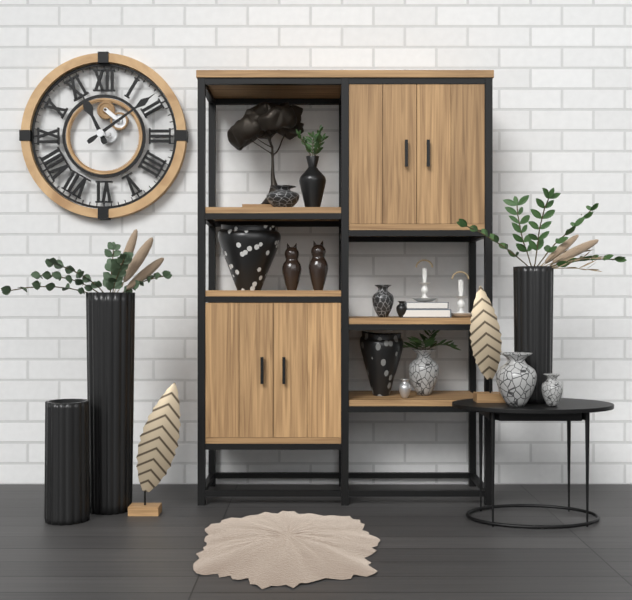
11:09
